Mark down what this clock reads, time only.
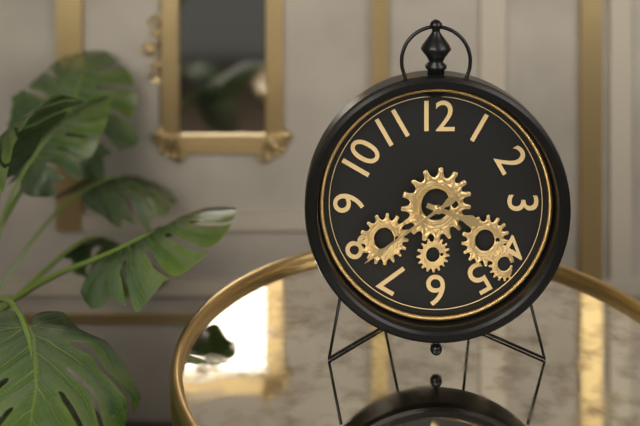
3:39
